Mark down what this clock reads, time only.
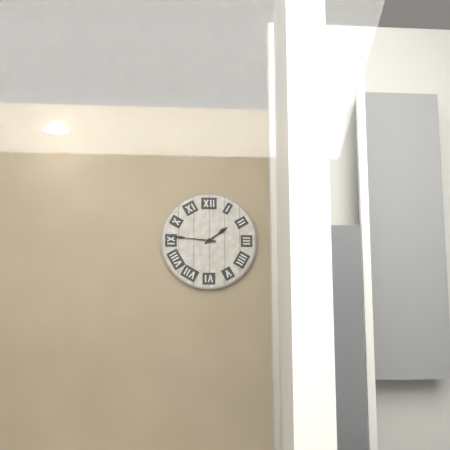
1:46
